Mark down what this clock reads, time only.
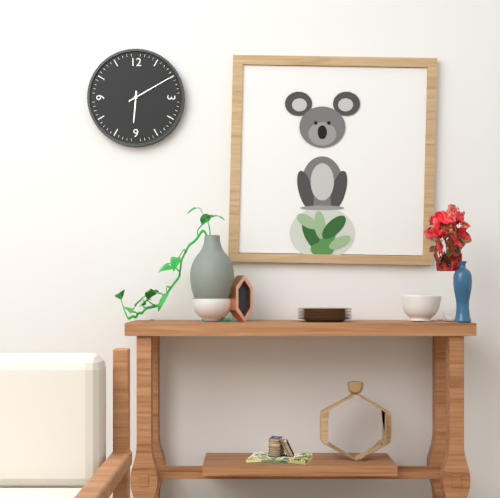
6:10
